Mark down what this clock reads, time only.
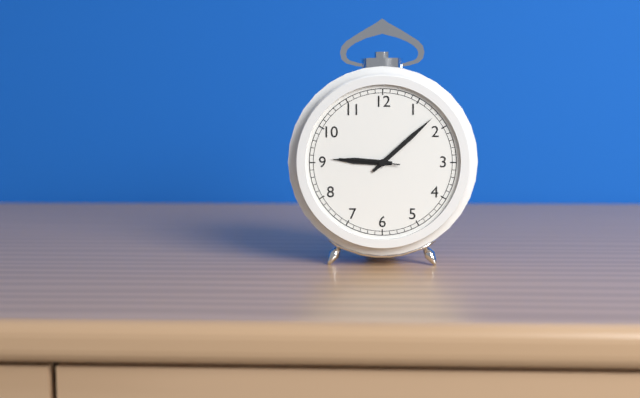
9:08:46
